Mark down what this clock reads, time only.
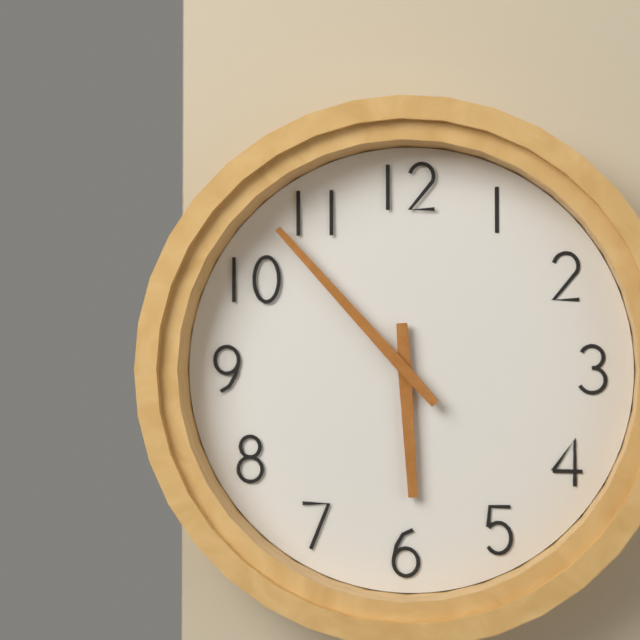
5:53
